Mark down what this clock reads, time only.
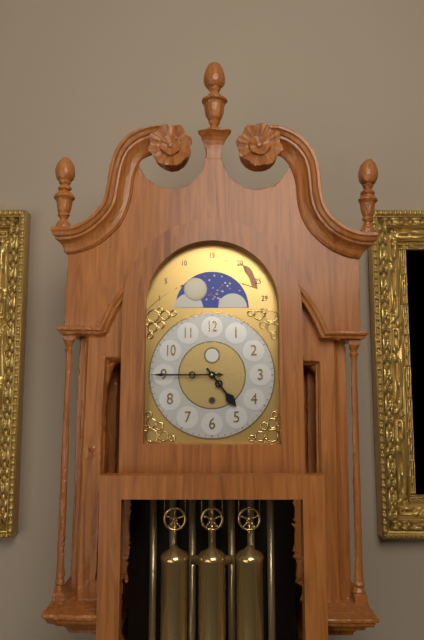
4:45
